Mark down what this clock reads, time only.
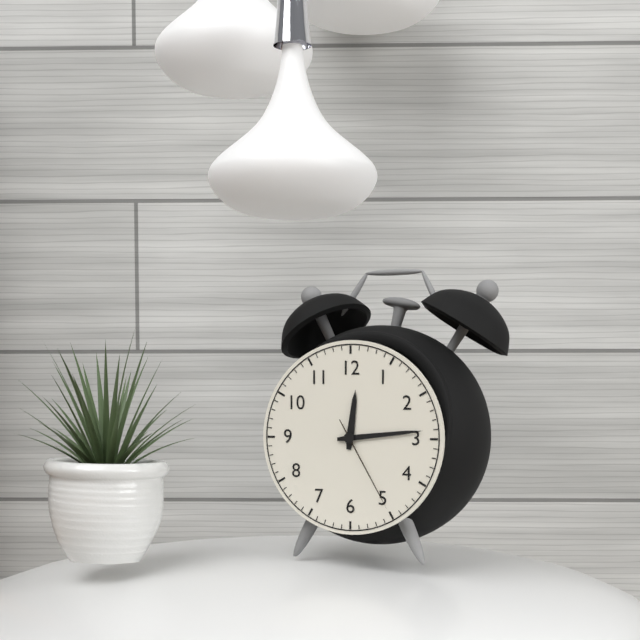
12:14:25
